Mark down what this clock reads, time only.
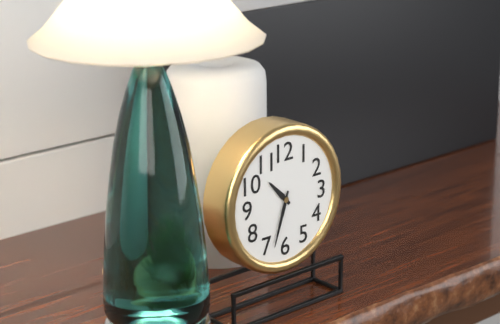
10:33
